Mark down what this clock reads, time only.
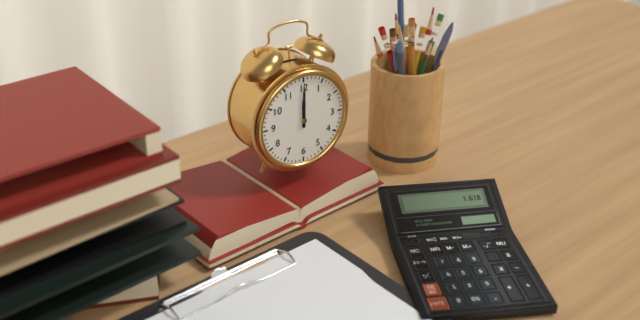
12:00
